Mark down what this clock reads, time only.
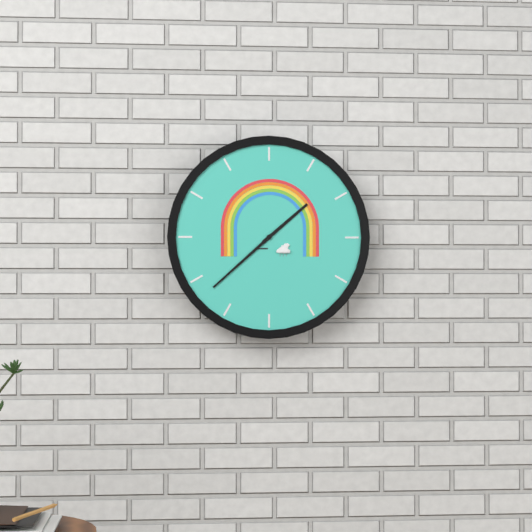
1:38
